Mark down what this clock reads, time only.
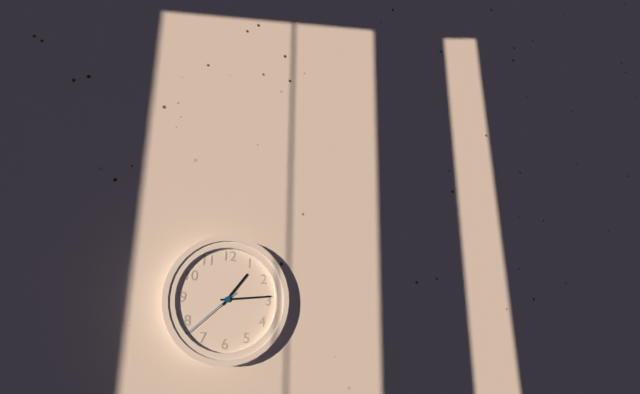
1:14:38
